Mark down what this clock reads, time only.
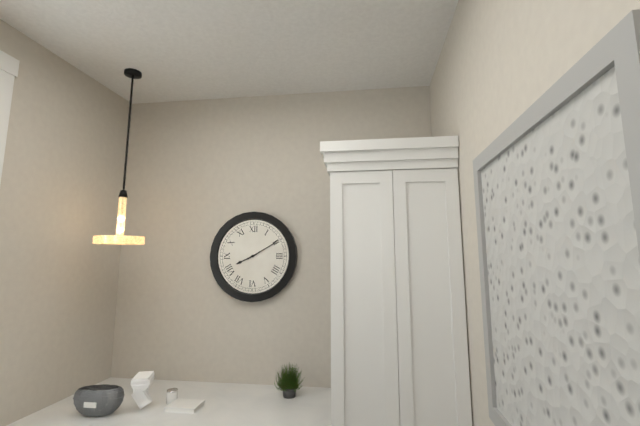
8:10
